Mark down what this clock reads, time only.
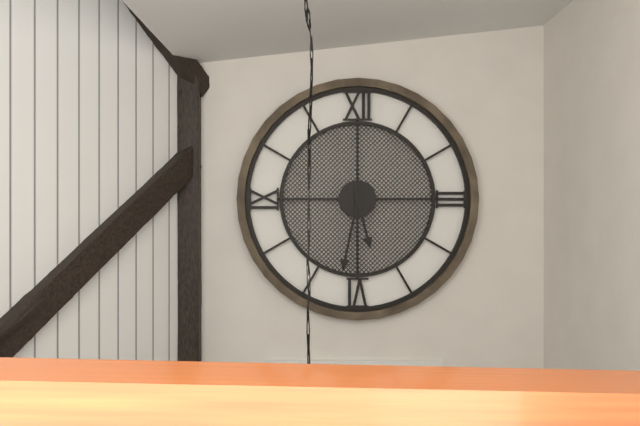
5:32
